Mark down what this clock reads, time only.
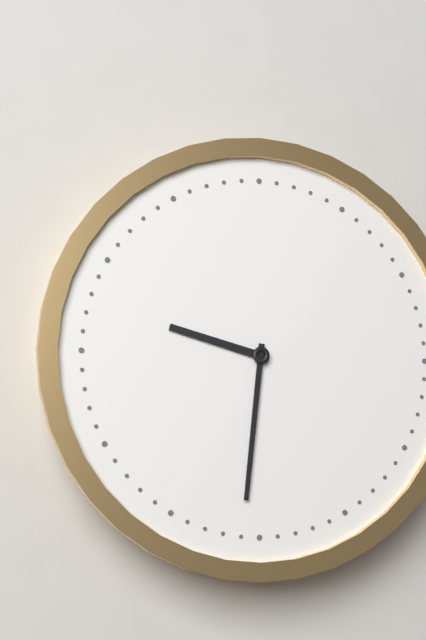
9:31
